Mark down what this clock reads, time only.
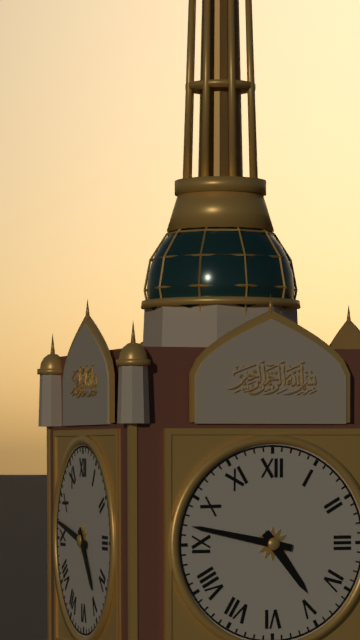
4:47
